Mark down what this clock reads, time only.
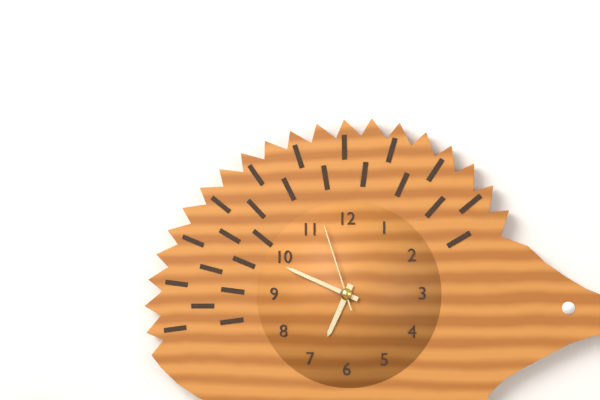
6:49:57
